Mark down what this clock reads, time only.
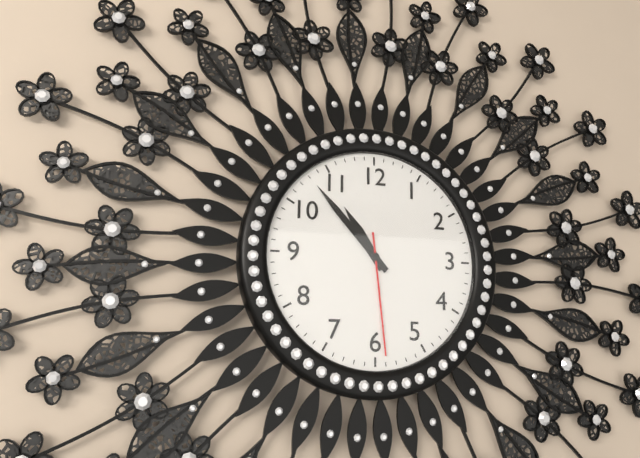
10:53:29
